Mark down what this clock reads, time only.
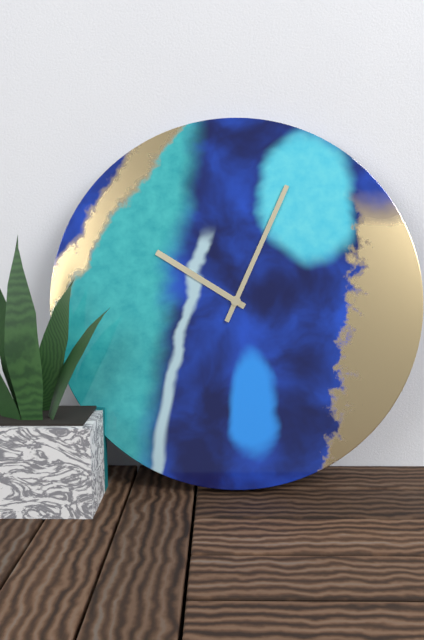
10:04
